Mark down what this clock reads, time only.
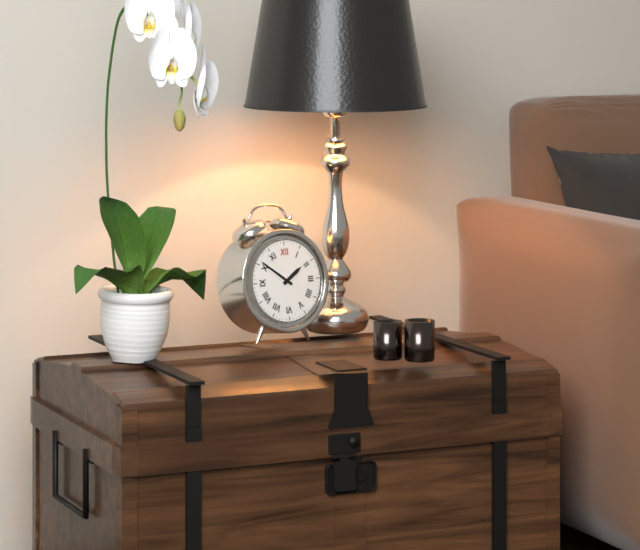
1:51
